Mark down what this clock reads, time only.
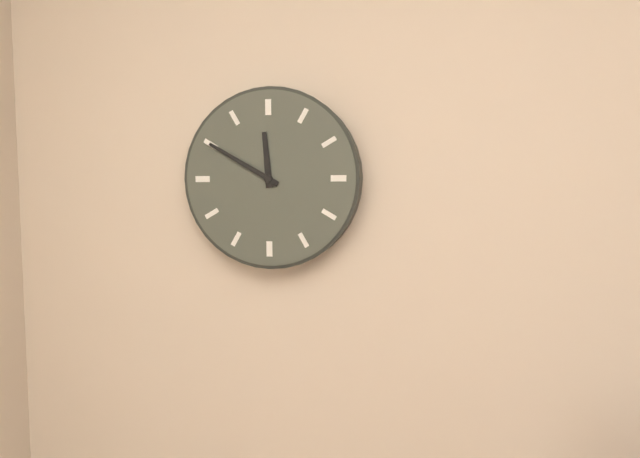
11:50
